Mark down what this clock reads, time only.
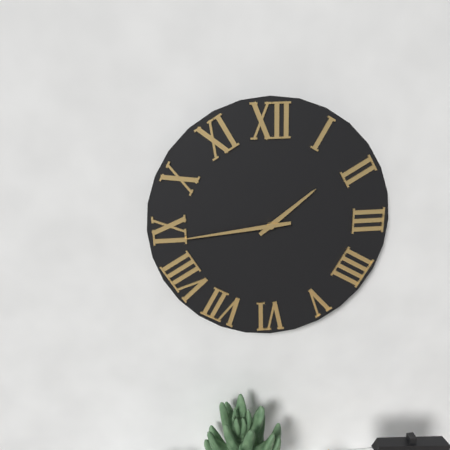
1:44
